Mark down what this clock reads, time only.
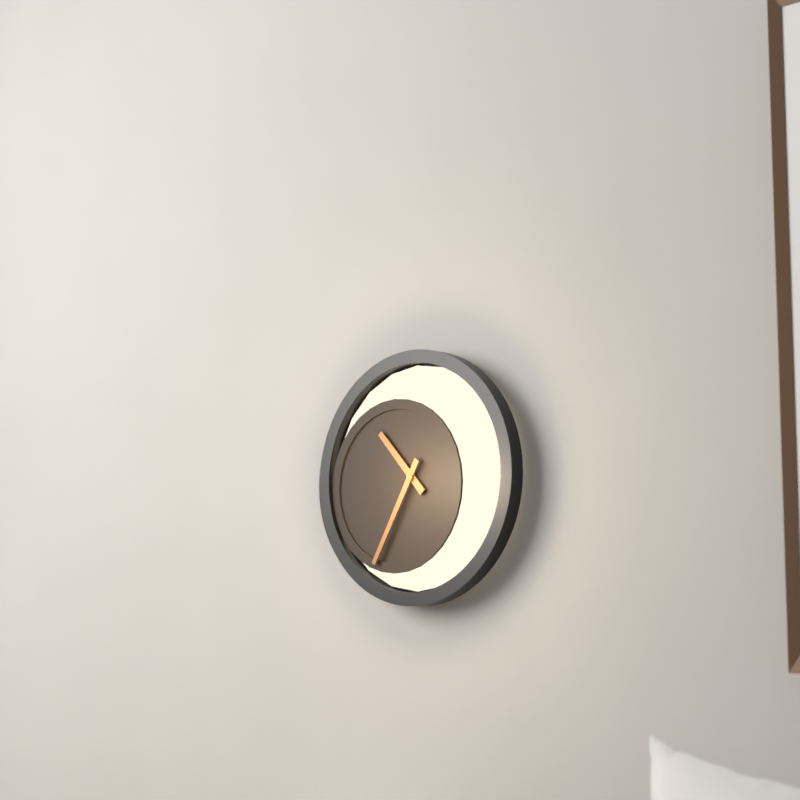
10:35
